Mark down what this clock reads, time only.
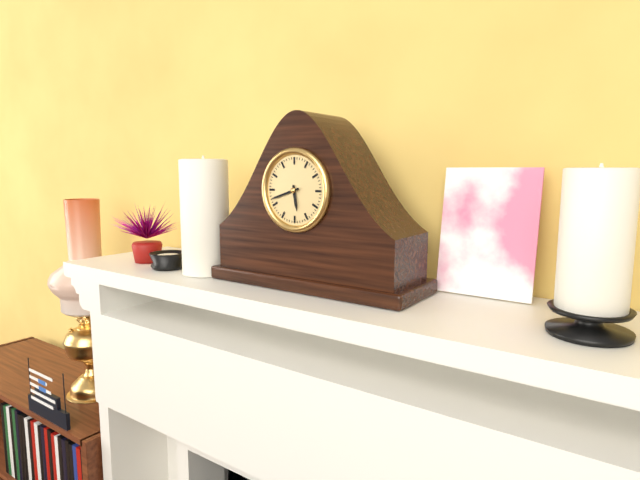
5:42
